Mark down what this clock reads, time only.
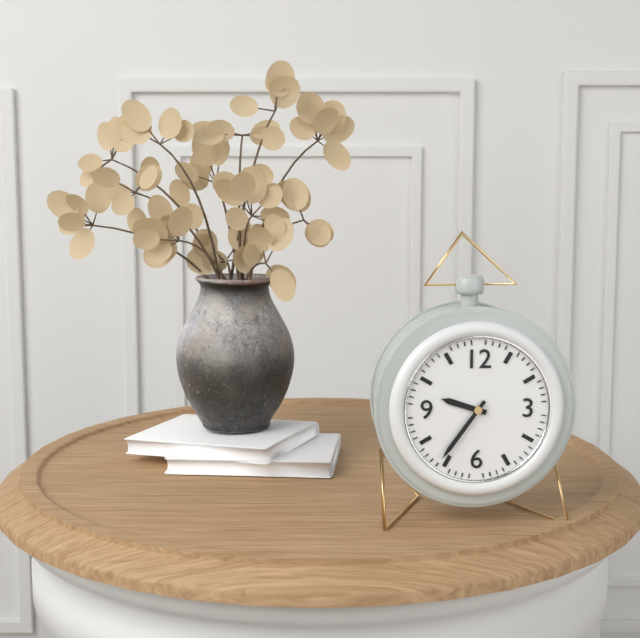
9:36
